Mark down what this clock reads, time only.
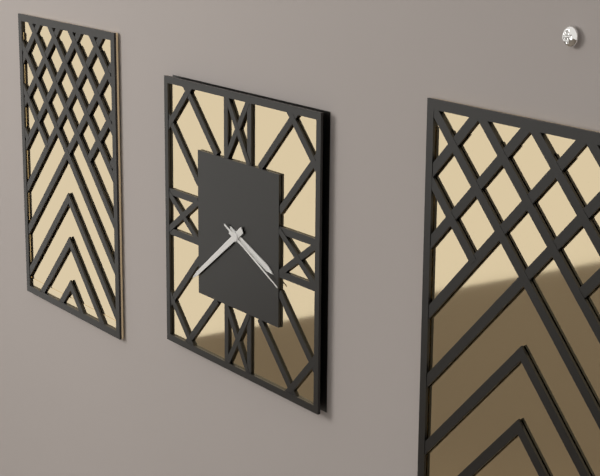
3:39:19
